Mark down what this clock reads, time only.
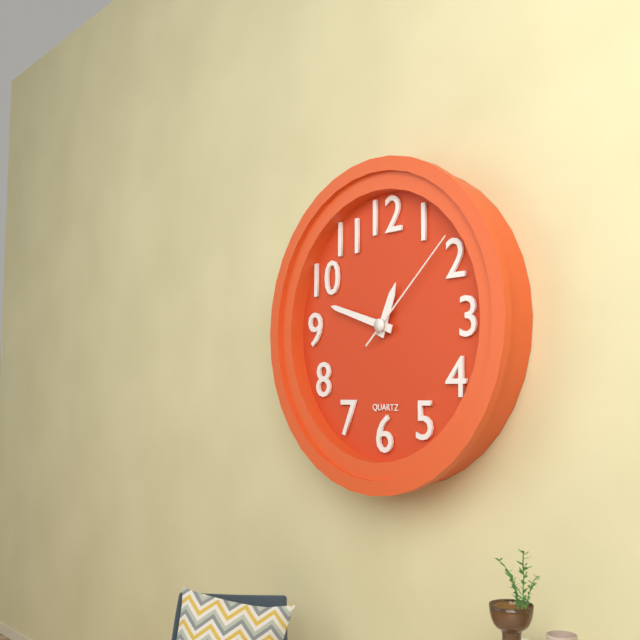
12:48:08
